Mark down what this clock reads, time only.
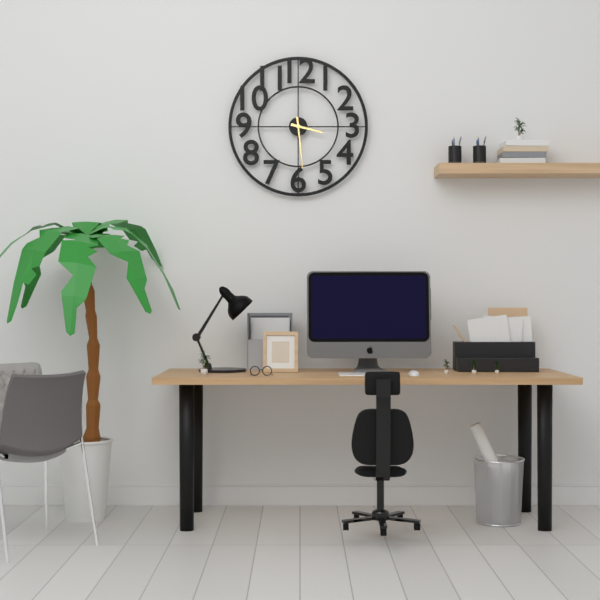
3:29
